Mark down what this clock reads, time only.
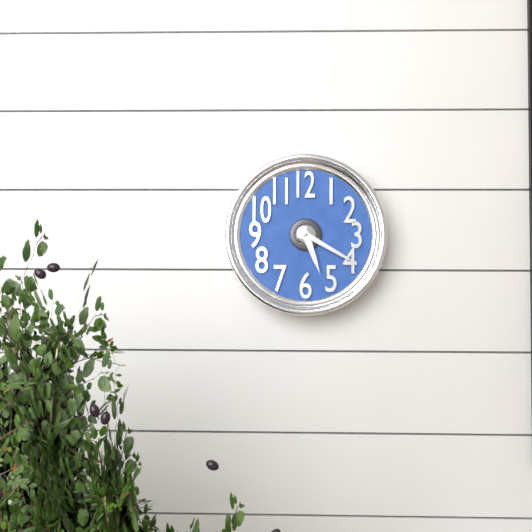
5:20
